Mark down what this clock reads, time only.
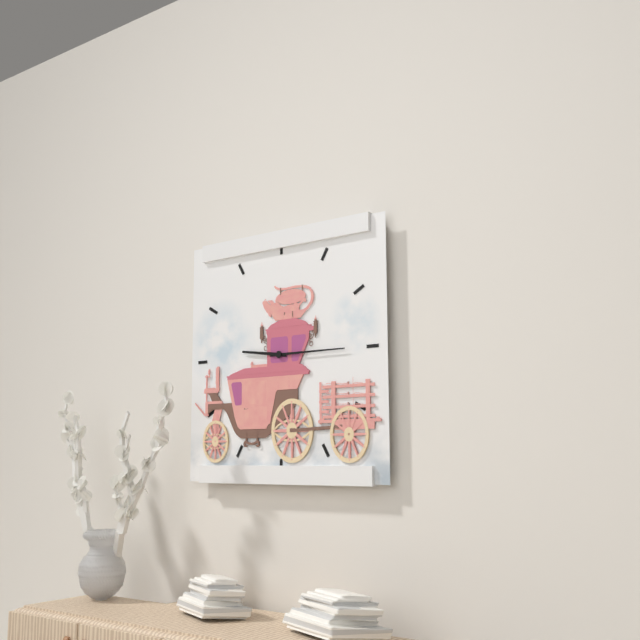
9:15
